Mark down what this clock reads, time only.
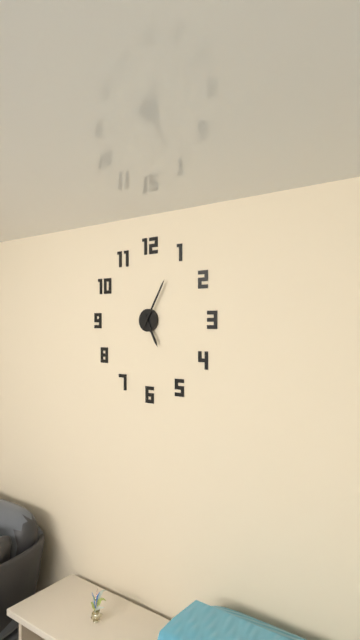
5:05
